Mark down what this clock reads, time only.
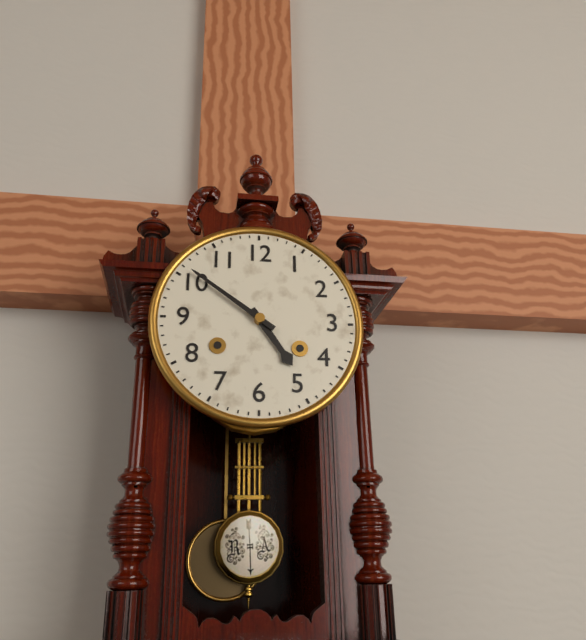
4:51
